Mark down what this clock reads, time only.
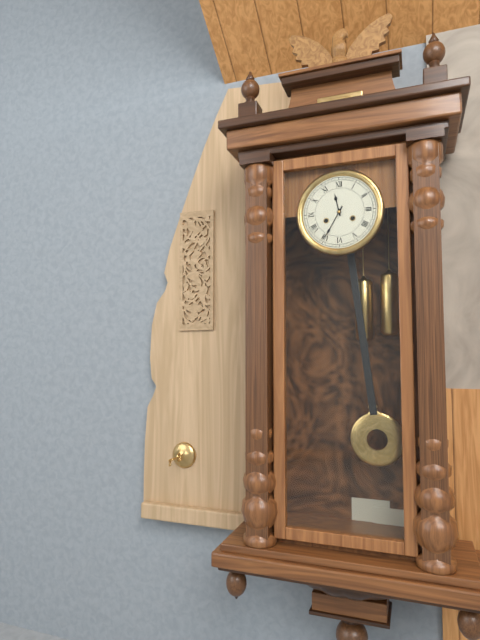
11:35
